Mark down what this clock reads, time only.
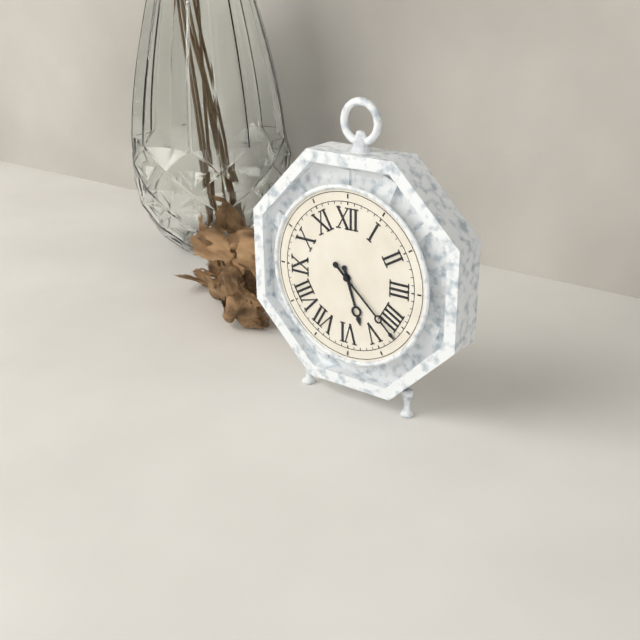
5:22
